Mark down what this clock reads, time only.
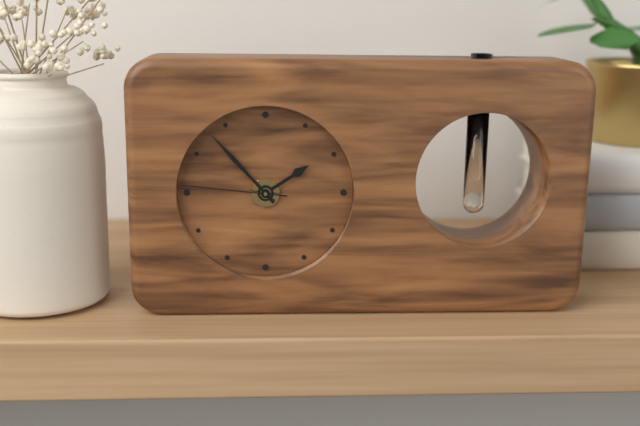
1:53:46
